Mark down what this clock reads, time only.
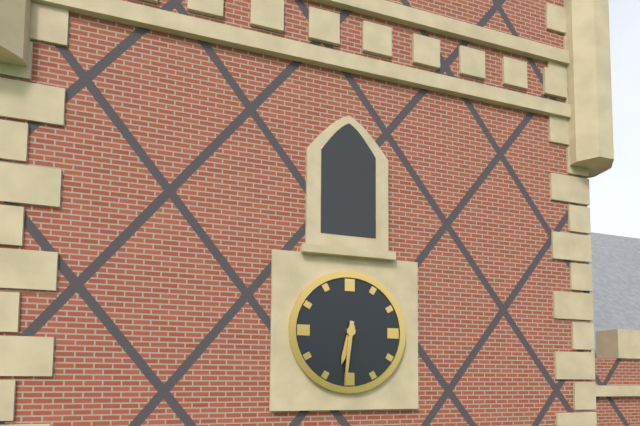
6:31
